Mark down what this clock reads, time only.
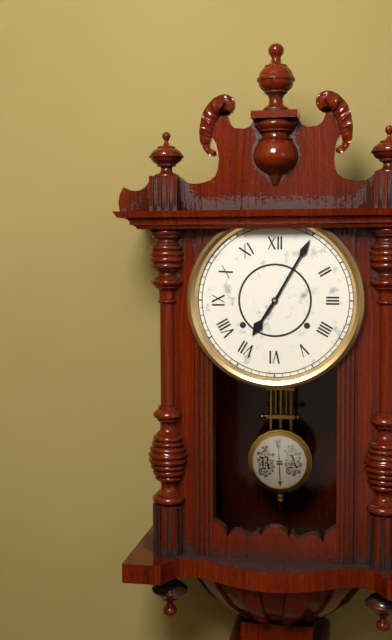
7:05
